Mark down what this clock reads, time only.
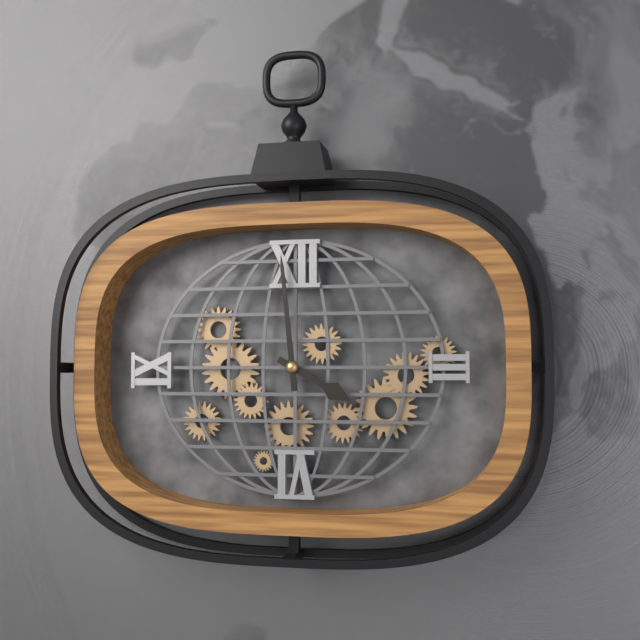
3:59
